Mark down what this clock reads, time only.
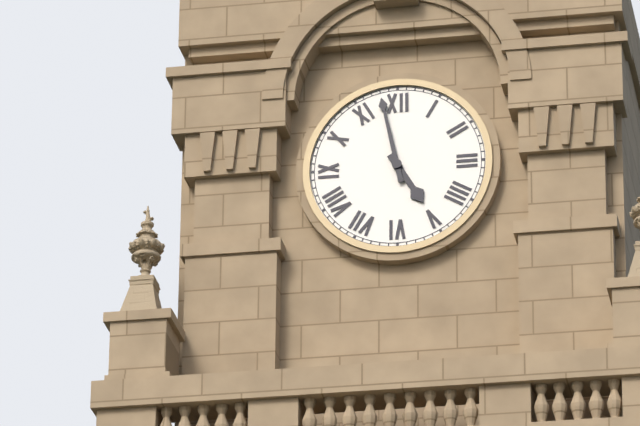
4:58
